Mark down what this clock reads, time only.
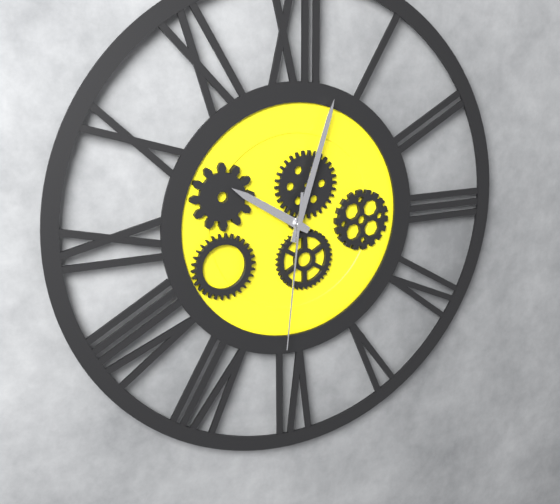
10:03:31
